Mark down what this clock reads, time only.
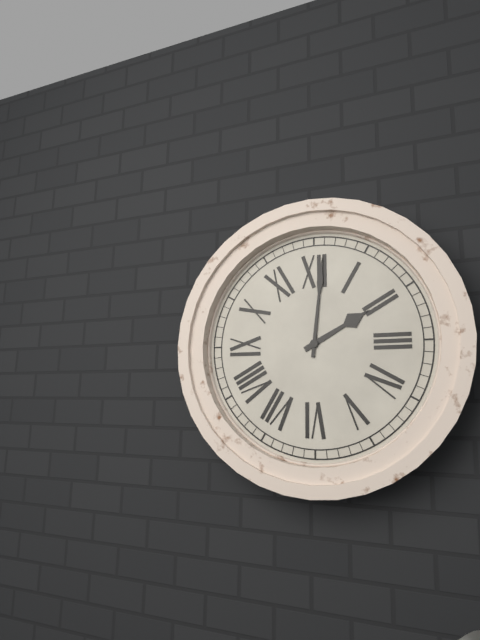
2:01
